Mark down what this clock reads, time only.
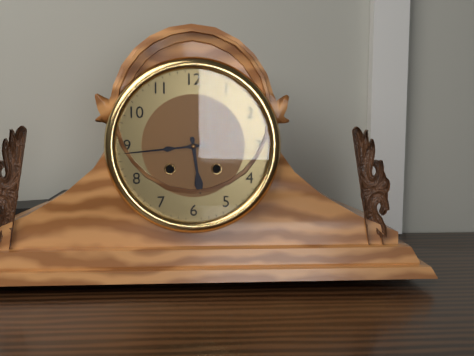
5:44
